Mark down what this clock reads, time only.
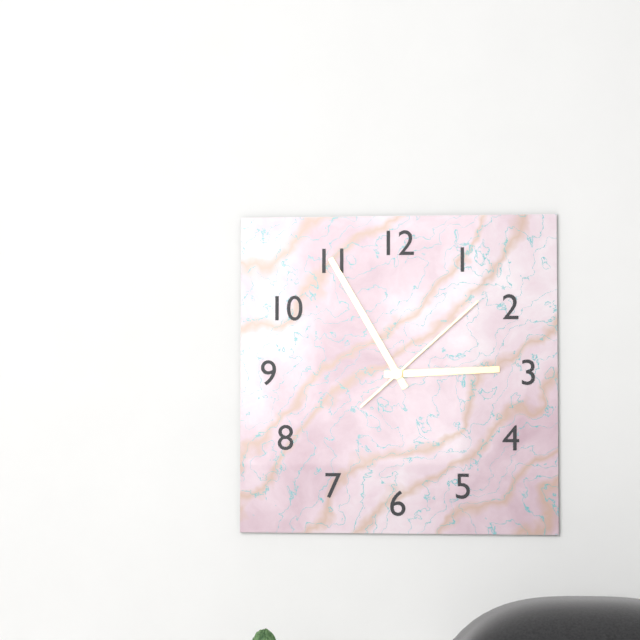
2:55:08
